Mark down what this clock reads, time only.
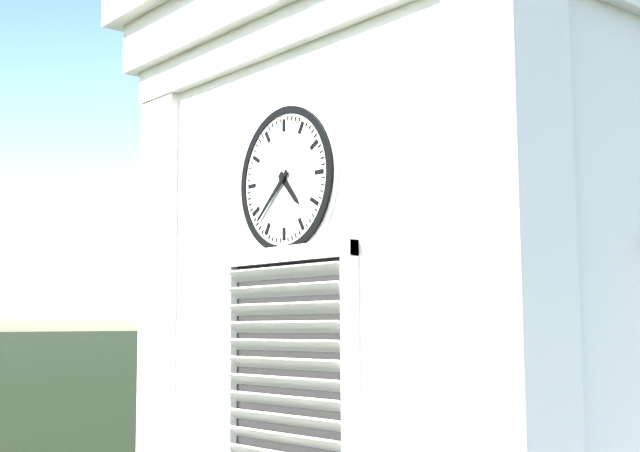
4:38
